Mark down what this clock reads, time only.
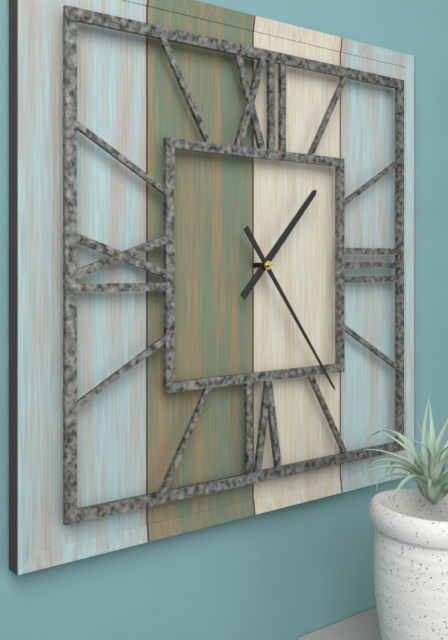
1:24
